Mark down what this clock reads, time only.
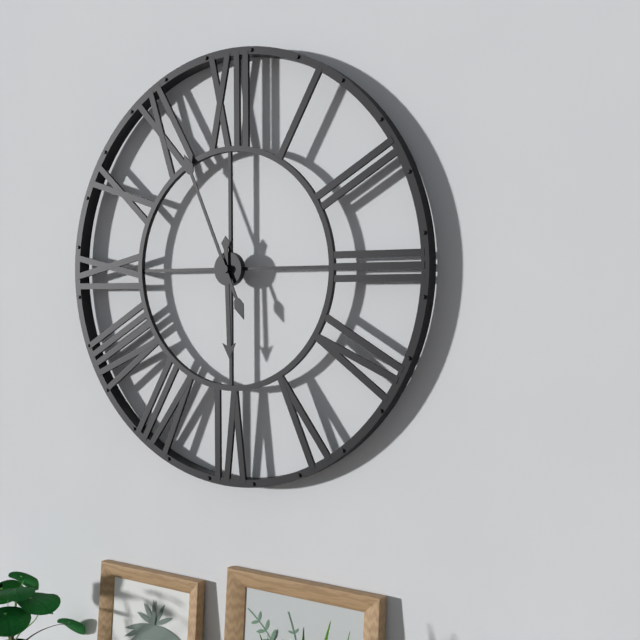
5:56
